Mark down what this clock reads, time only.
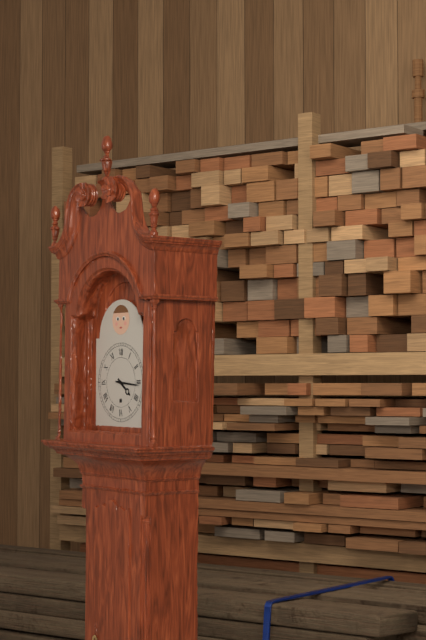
4:16
